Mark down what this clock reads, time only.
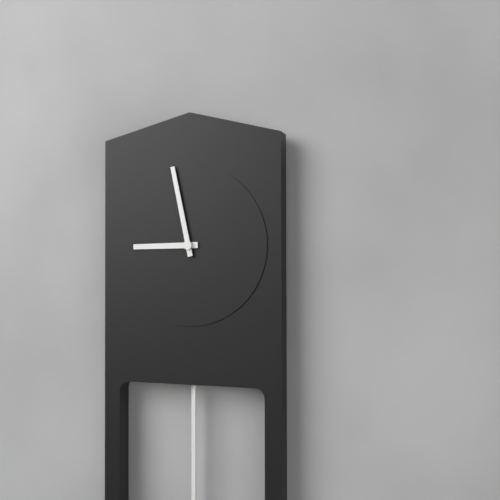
8:58
